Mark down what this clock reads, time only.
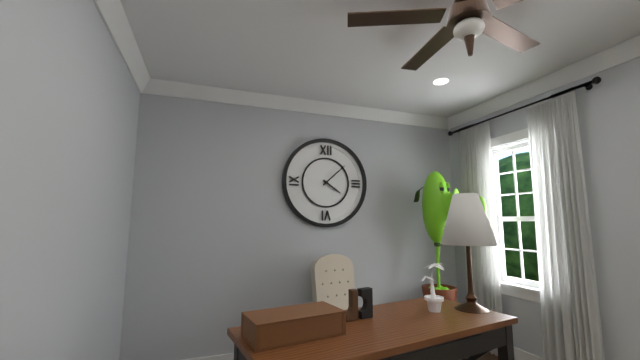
4:08
